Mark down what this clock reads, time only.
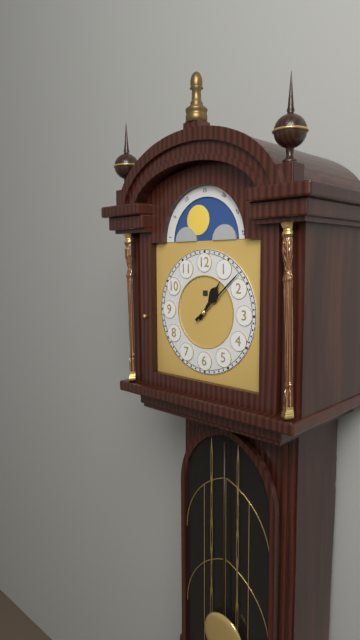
1:08
